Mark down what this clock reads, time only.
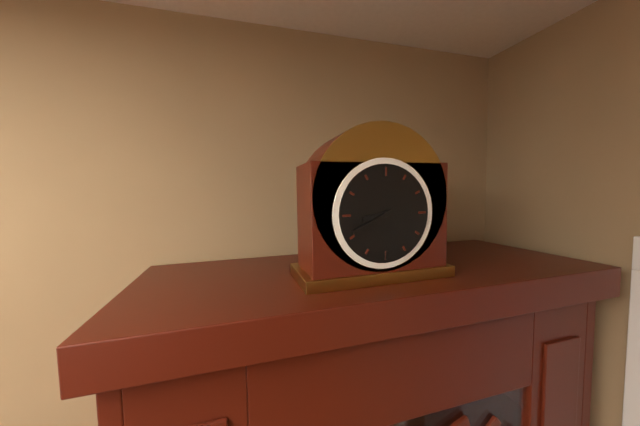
8:41
